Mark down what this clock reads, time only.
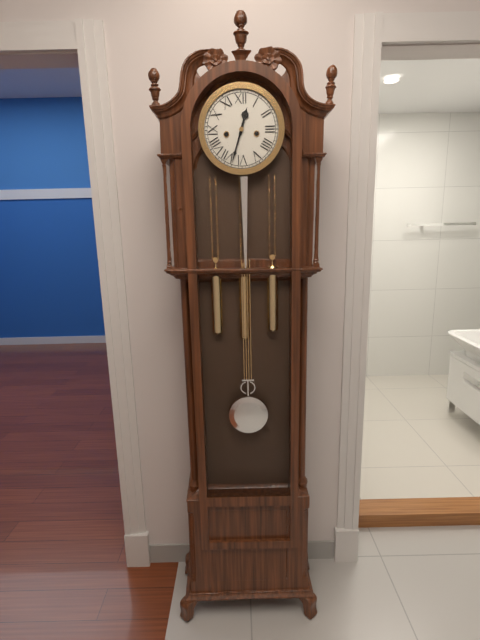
12:33
